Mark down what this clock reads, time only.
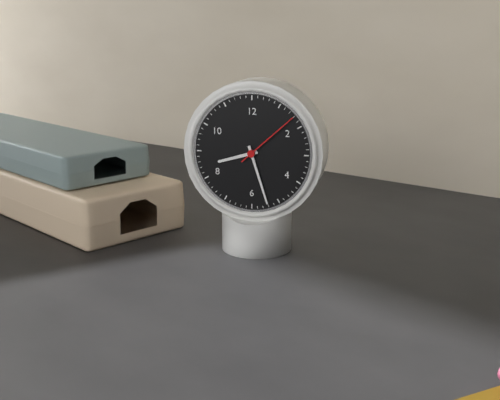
8:27:08
